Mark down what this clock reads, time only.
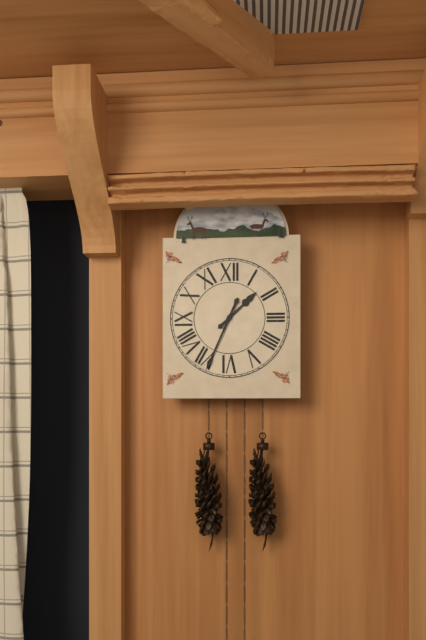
1:34
